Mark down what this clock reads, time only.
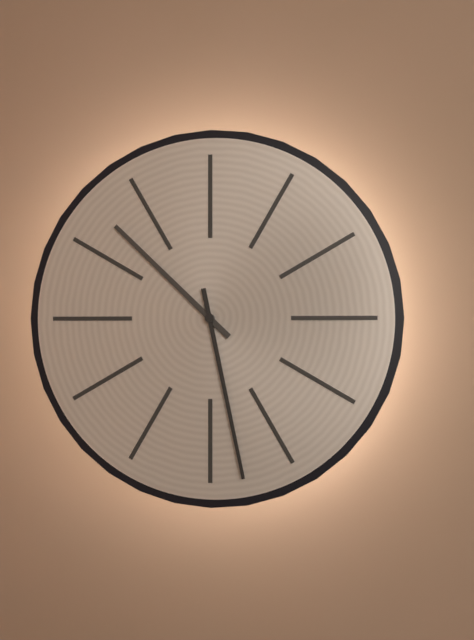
10:28
